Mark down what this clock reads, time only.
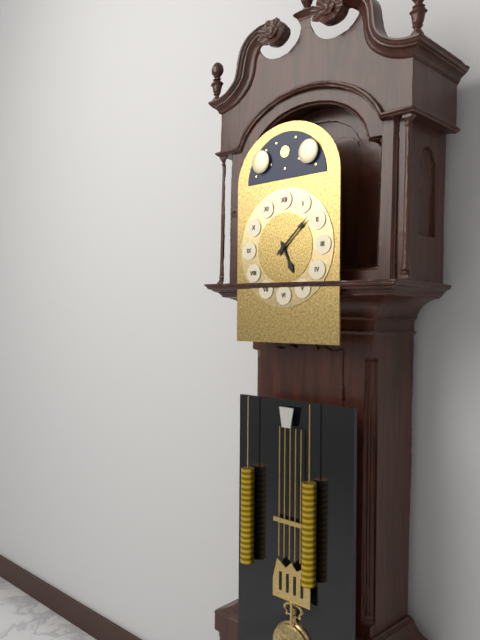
5:08
